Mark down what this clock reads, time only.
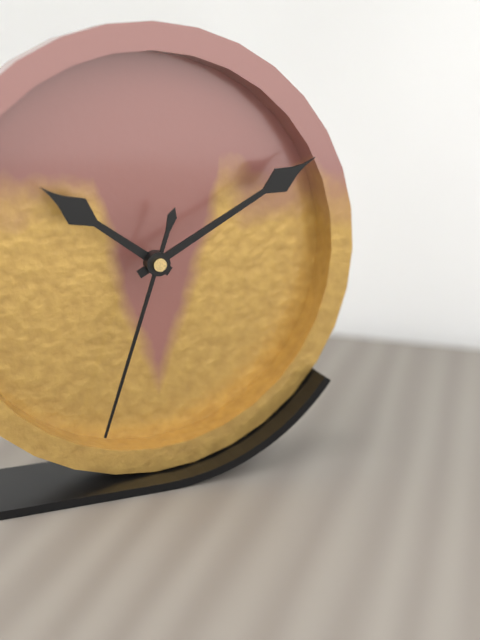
10:10:33
